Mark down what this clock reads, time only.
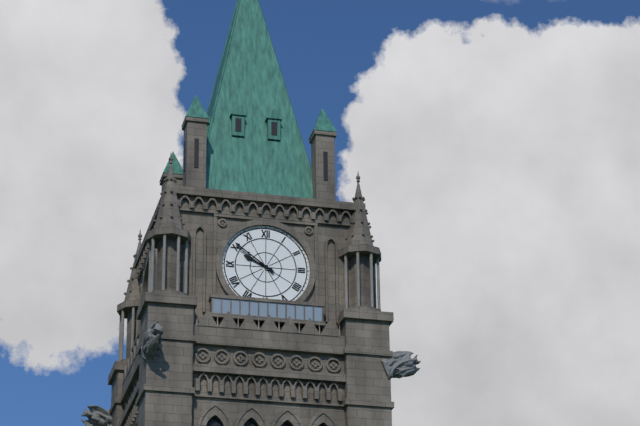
9:51
